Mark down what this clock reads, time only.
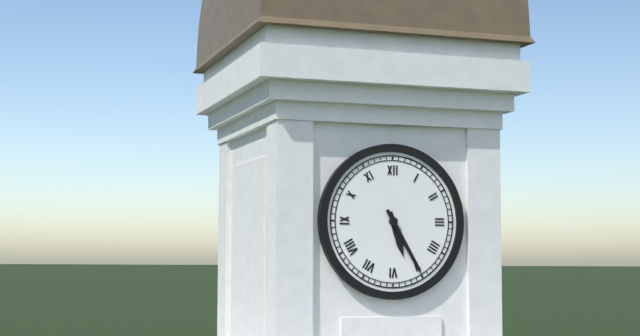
5:25
